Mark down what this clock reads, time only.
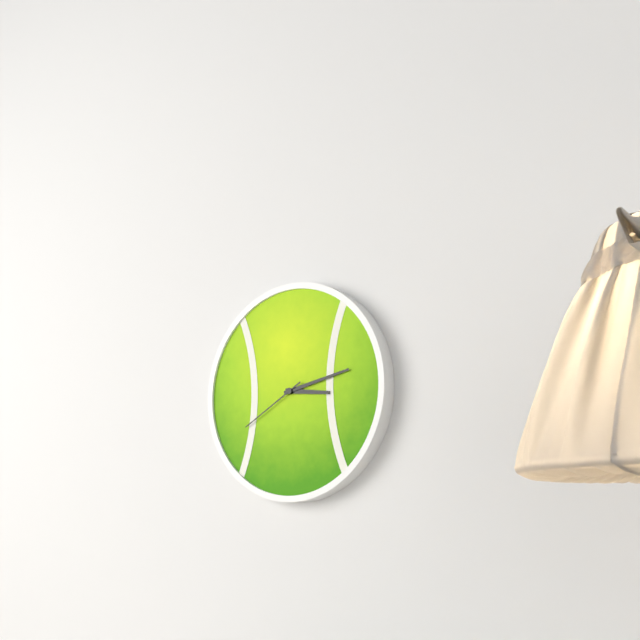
3:13:40
